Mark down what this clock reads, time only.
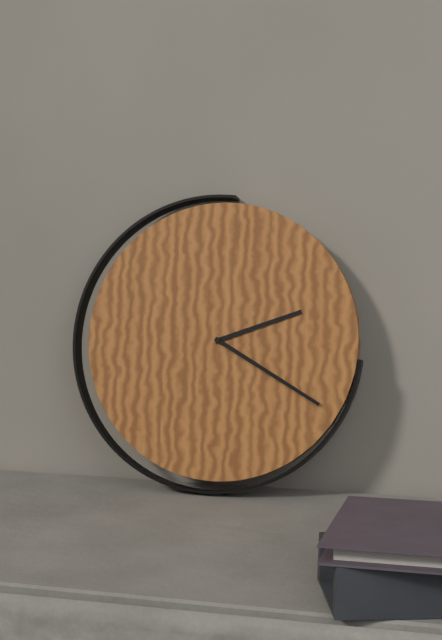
2:20
